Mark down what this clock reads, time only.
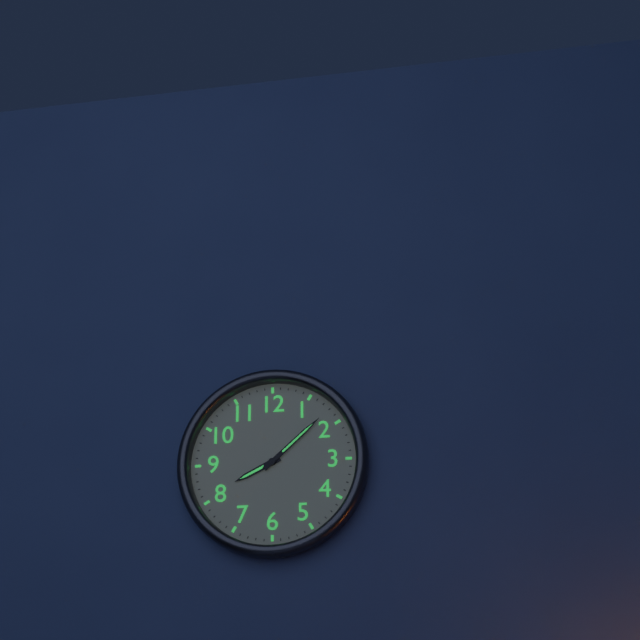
8:08
